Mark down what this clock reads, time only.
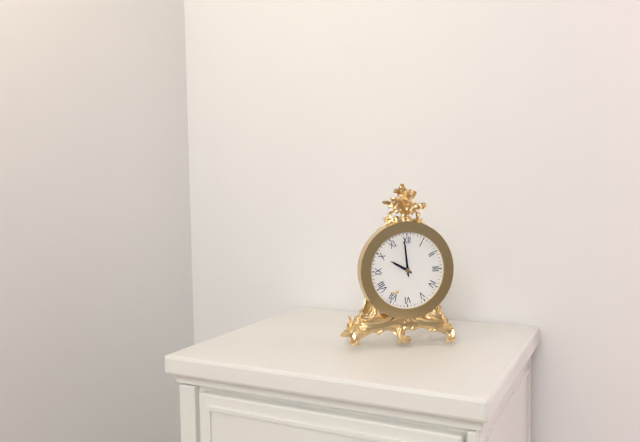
9:59
